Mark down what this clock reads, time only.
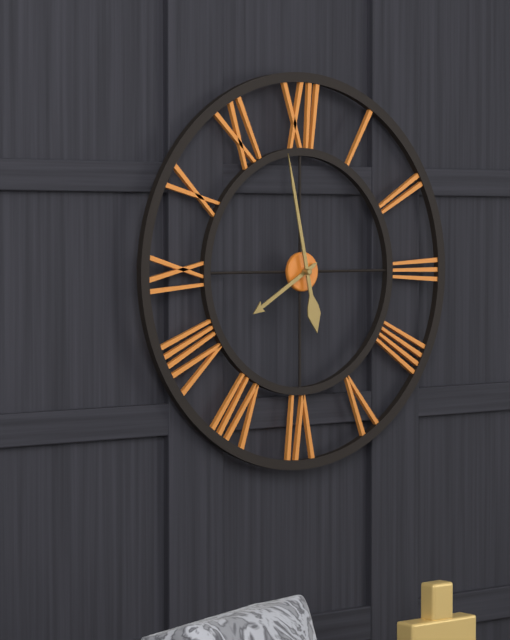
7:58
